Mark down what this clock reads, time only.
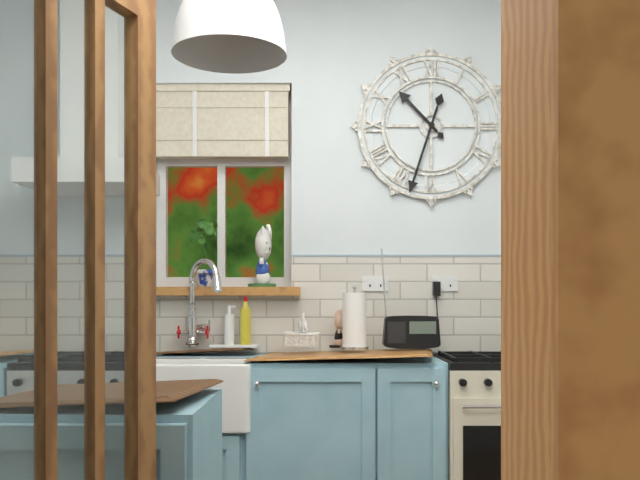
10:33
